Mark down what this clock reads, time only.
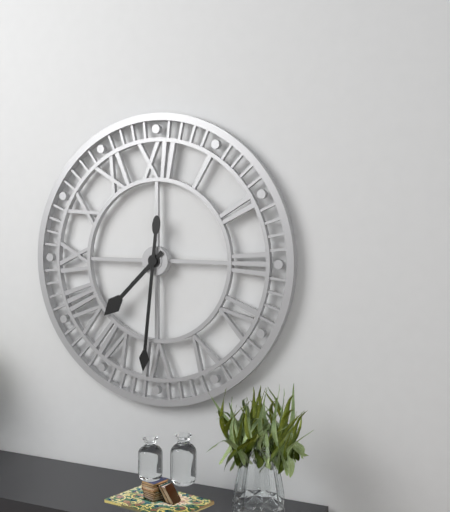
7:31
